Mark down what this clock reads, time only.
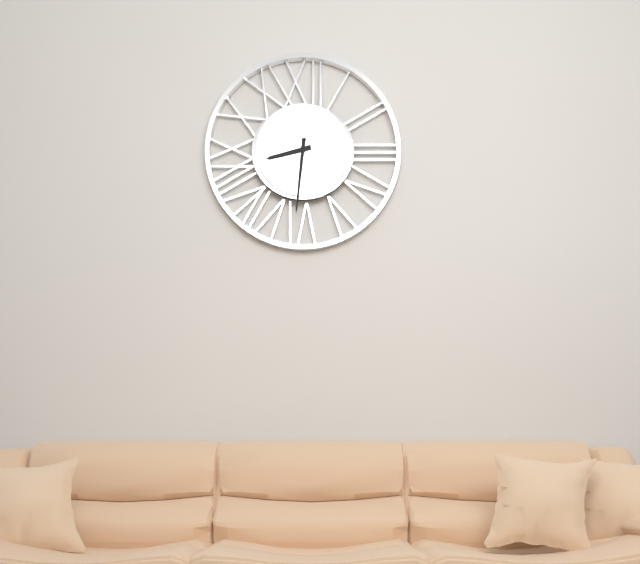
8:31
